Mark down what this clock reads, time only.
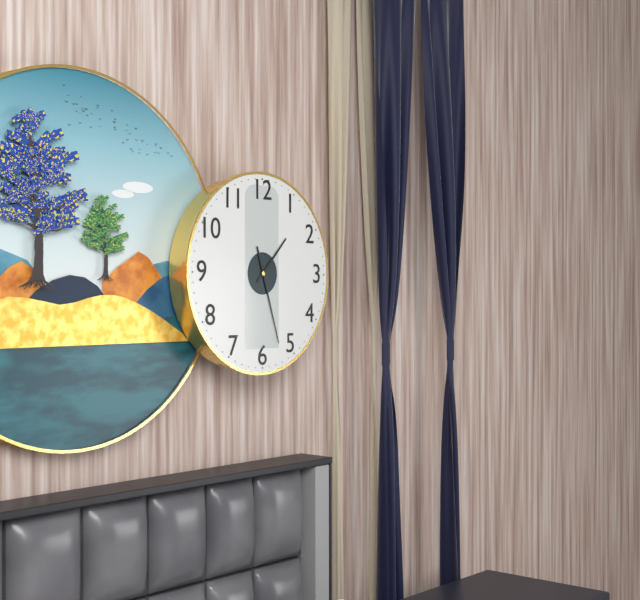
1:27
